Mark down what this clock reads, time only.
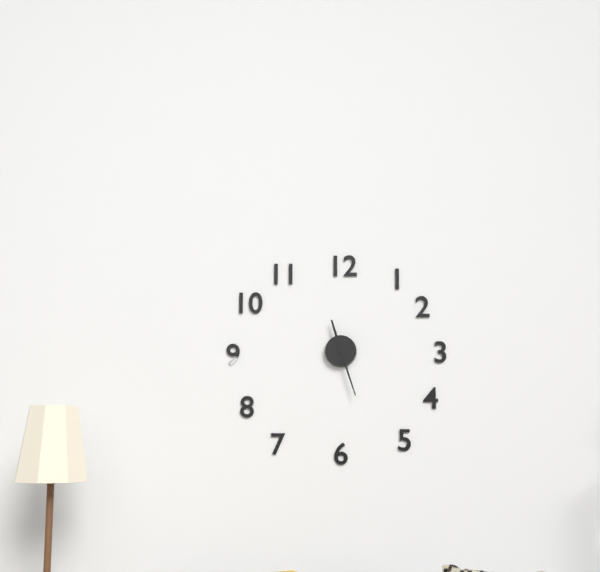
11:27
